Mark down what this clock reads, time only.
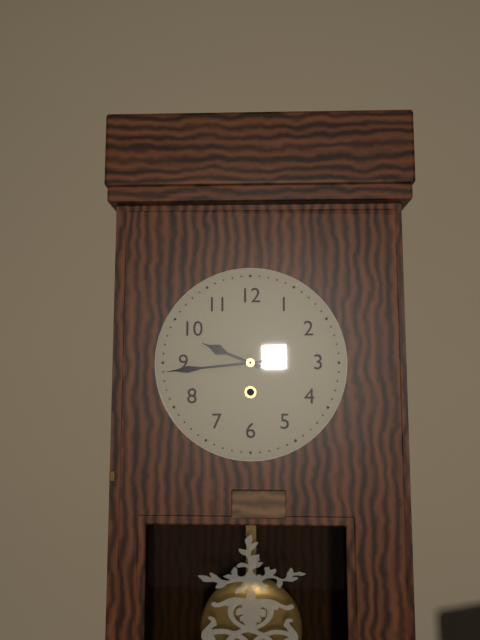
9:44
